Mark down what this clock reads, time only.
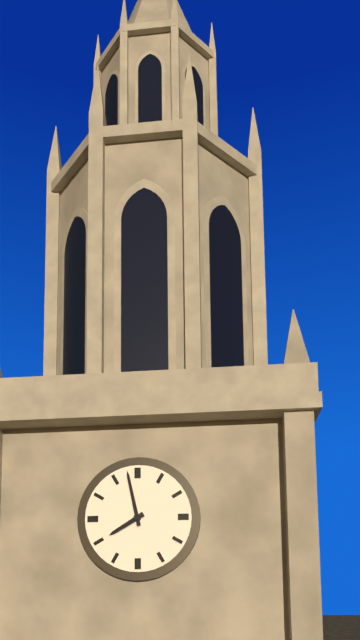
7:58
